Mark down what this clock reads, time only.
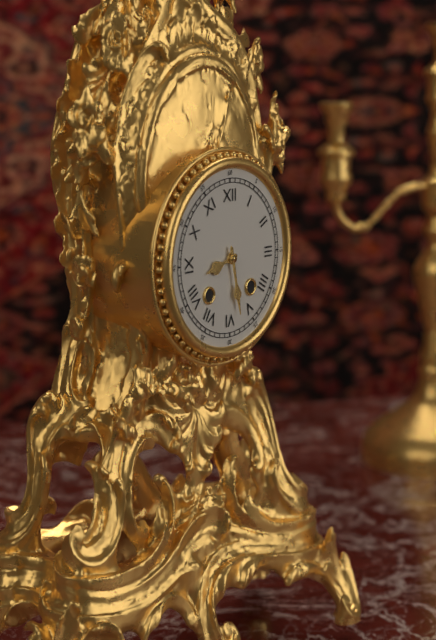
8:28
